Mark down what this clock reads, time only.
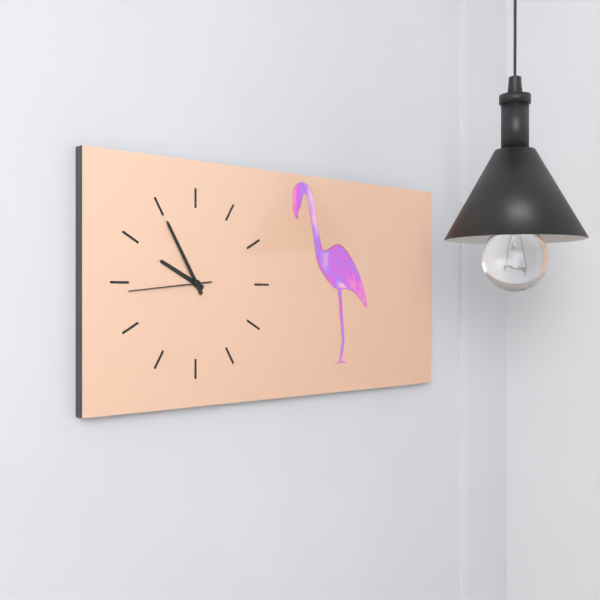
9:55:44
